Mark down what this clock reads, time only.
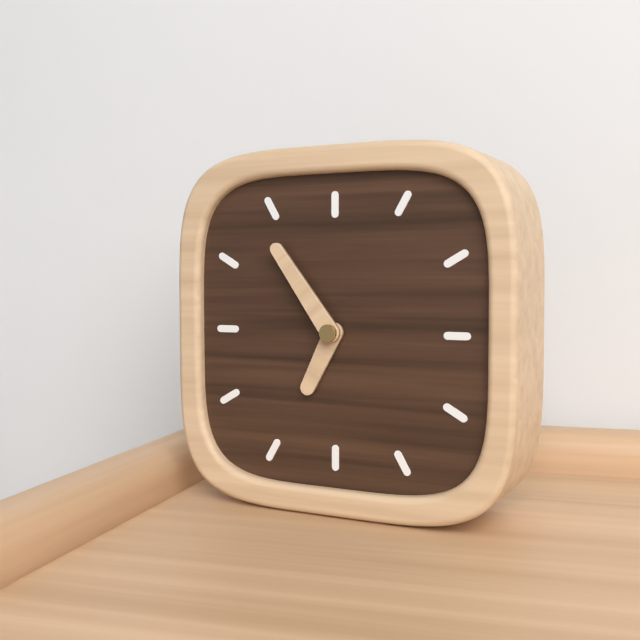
6:54
